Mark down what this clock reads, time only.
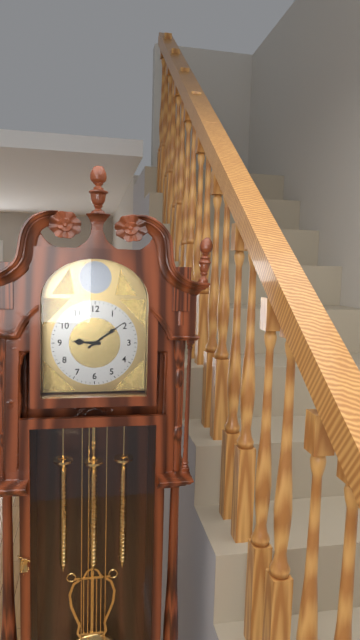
9:09
